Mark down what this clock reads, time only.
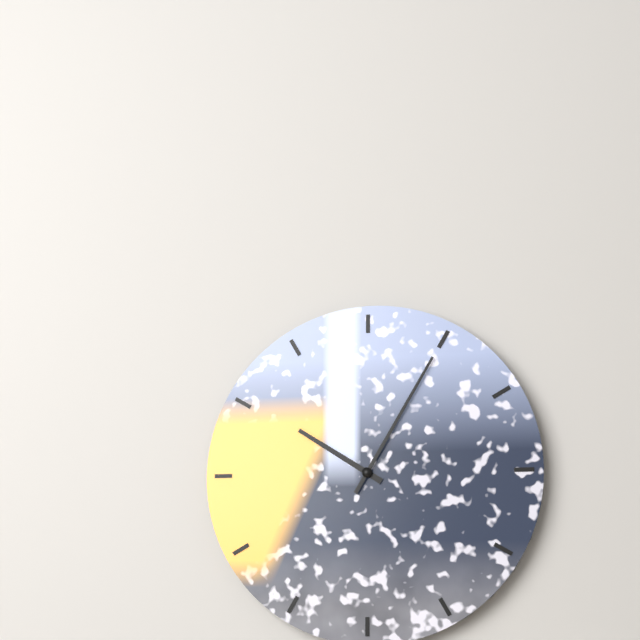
10:05
